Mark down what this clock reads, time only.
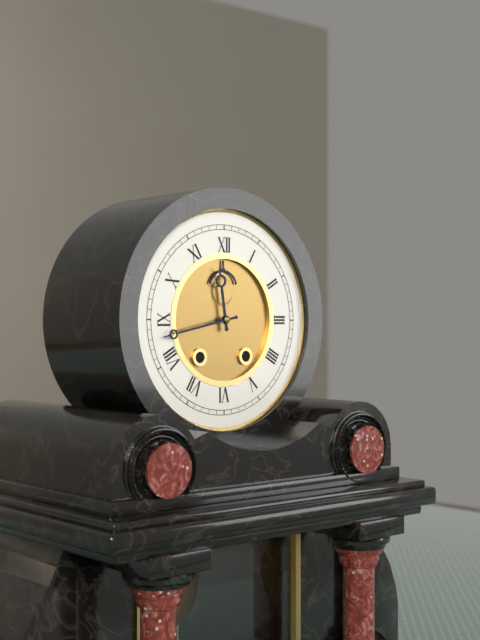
11:43
